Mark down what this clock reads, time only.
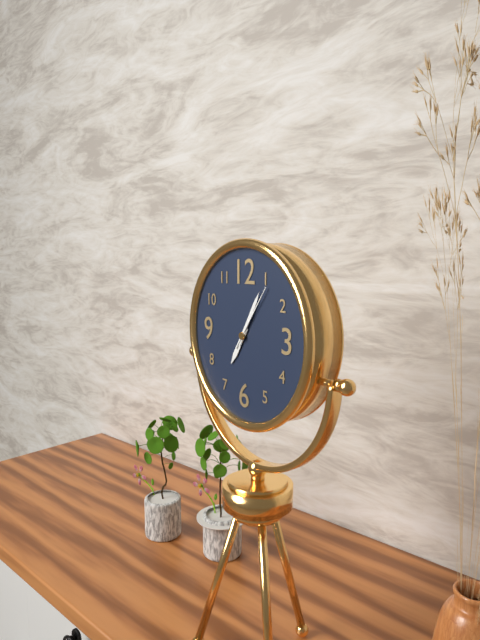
7:05:06
